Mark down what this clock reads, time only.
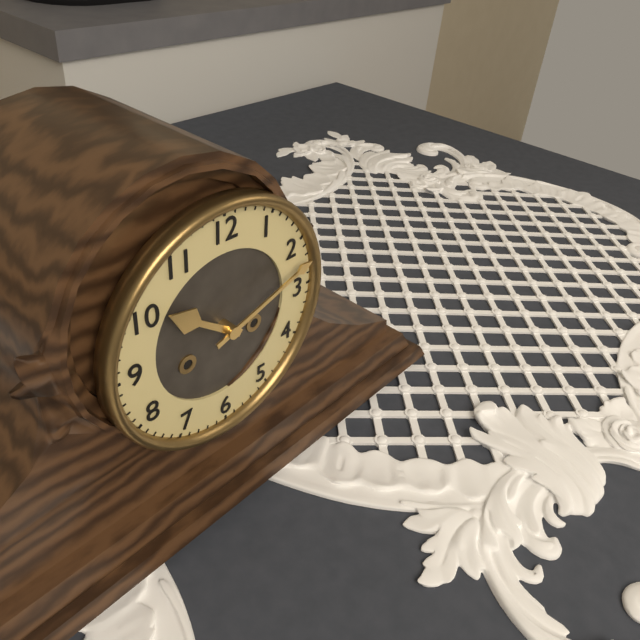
10:12
